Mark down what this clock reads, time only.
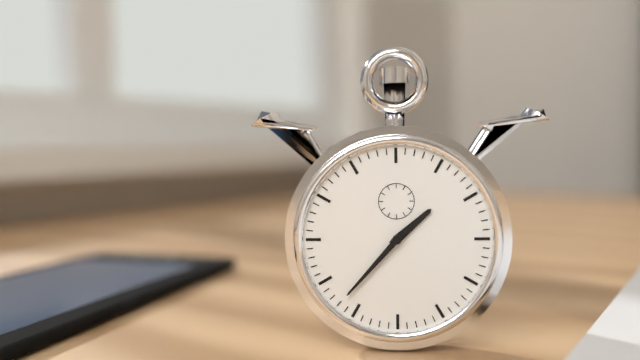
1:37
